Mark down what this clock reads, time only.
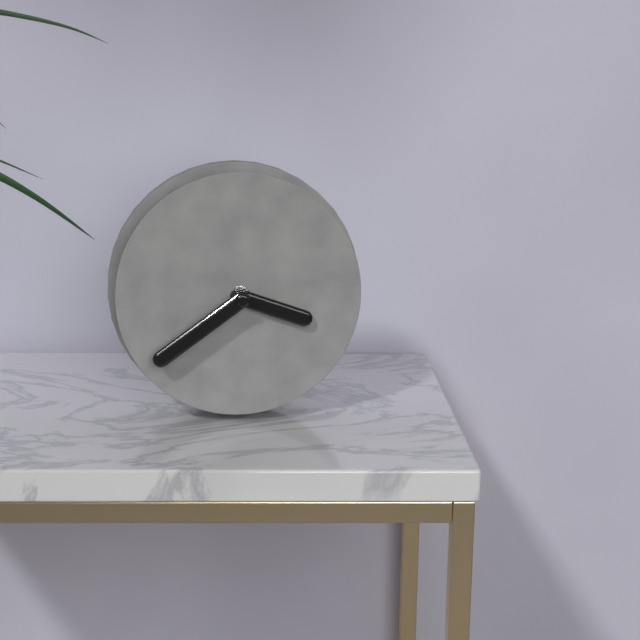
3:39
